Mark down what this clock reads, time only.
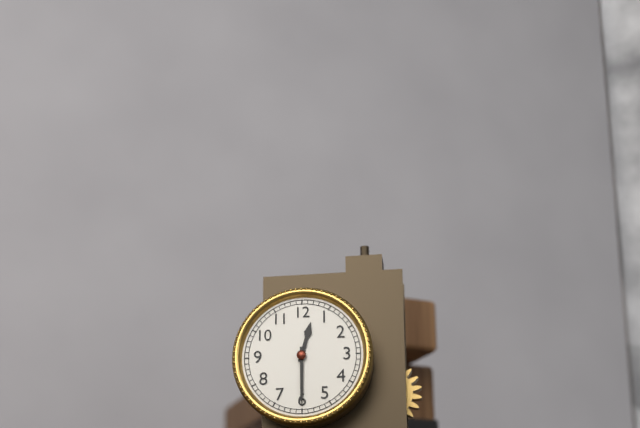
12:30
